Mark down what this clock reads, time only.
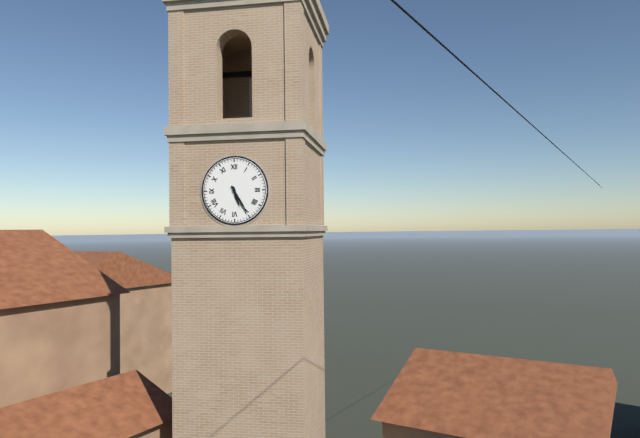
5:25
